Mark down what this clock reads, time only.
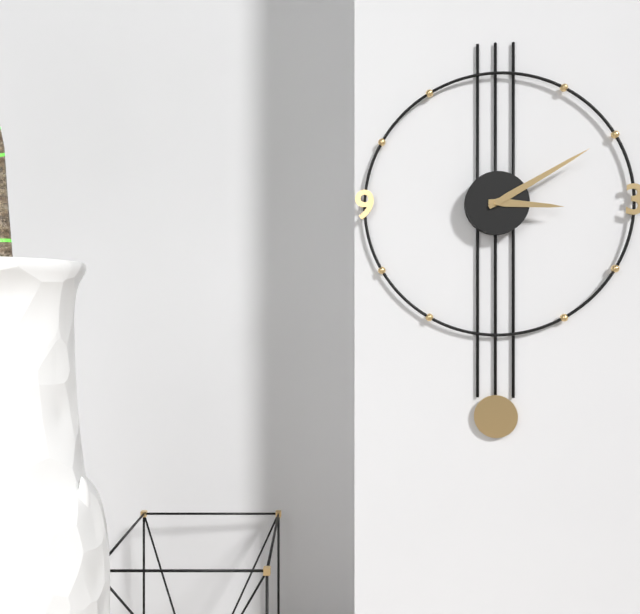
3:10
